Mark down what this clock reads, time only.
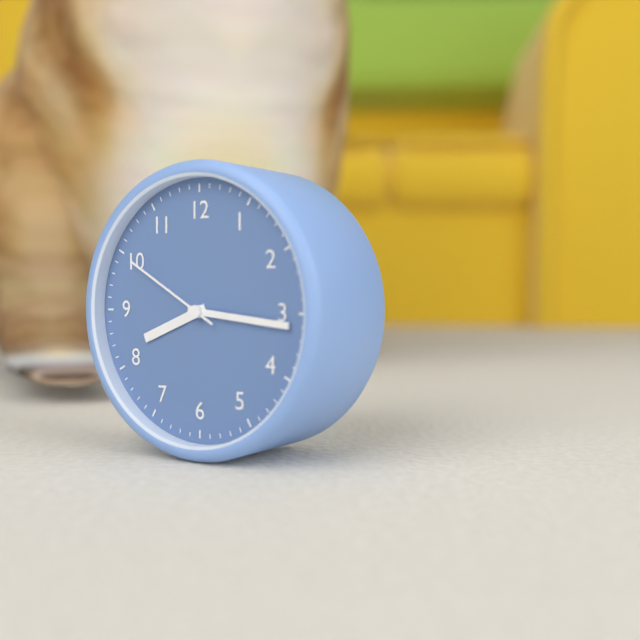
8:16:50
